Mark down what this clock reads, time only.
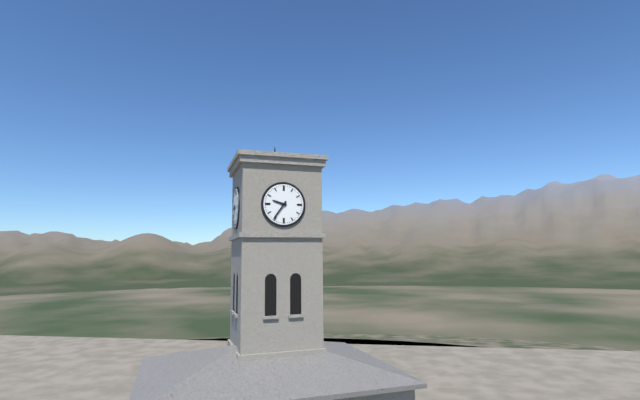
9:36
